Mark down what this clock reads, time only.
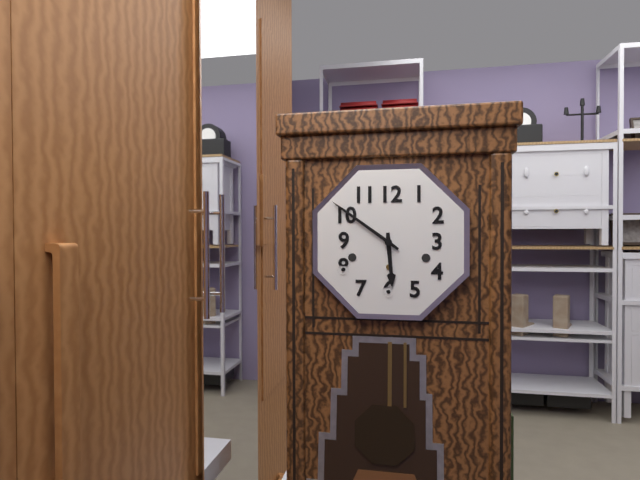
5:51
